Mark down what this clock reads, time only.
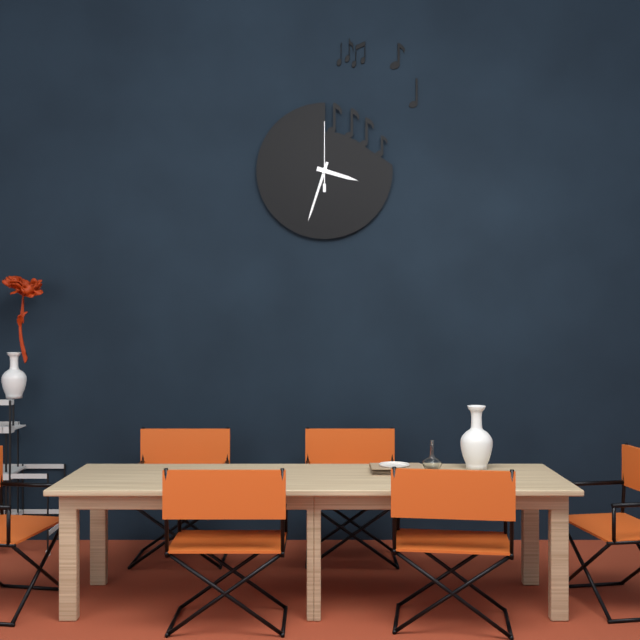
3:33:00
